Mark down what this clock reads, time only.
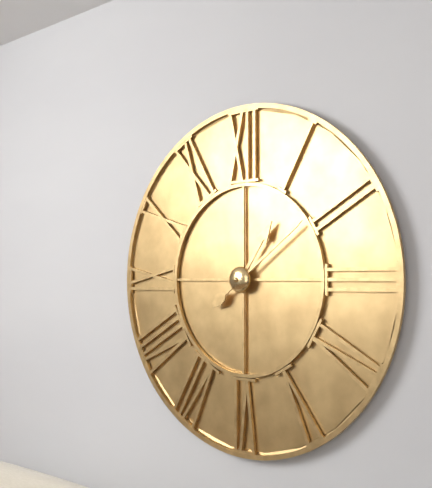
1:09
